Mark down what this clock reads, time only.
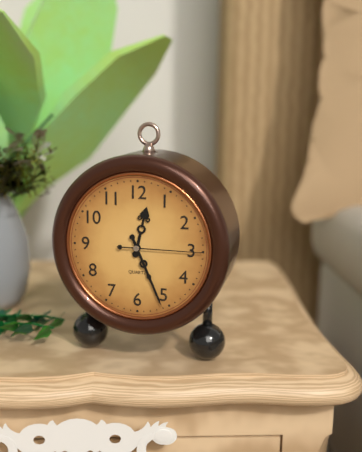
12:26:15
